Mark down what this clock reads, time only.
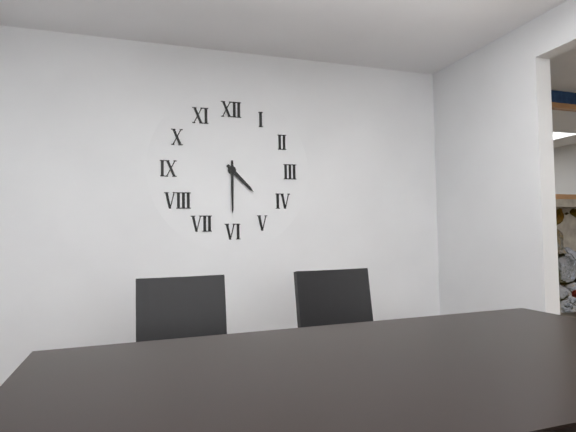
4:30
